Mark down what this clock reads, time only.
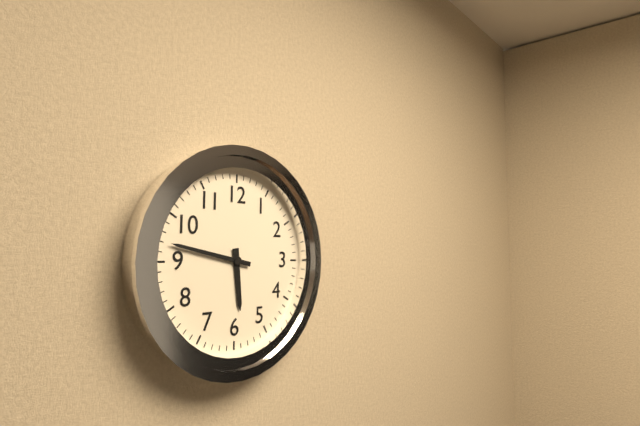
5:47
